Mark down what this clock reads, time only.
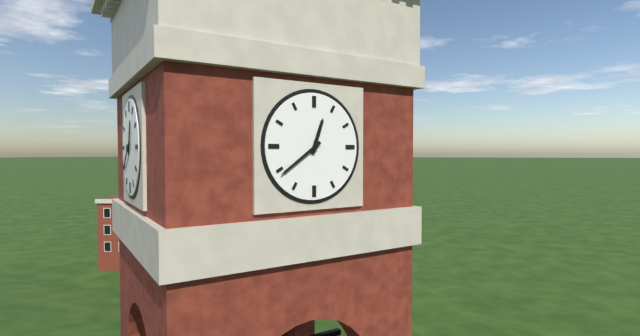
12:39
